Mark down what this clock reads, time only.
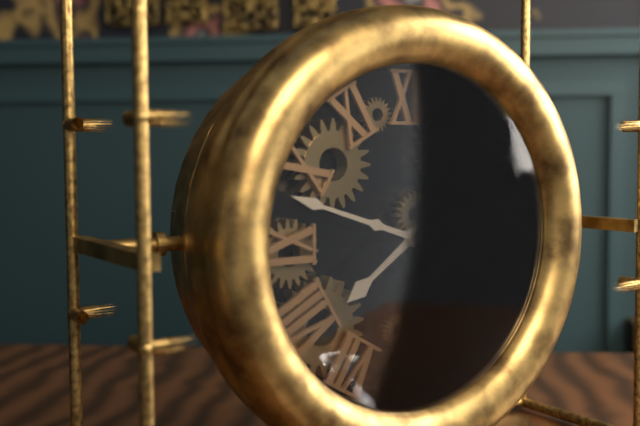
7:48
